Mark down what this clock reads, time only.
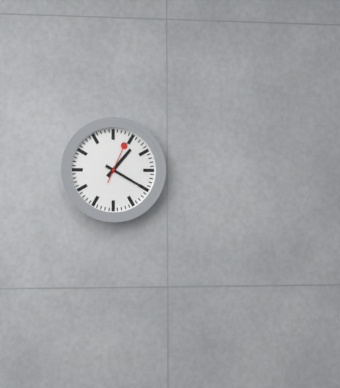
1:20
